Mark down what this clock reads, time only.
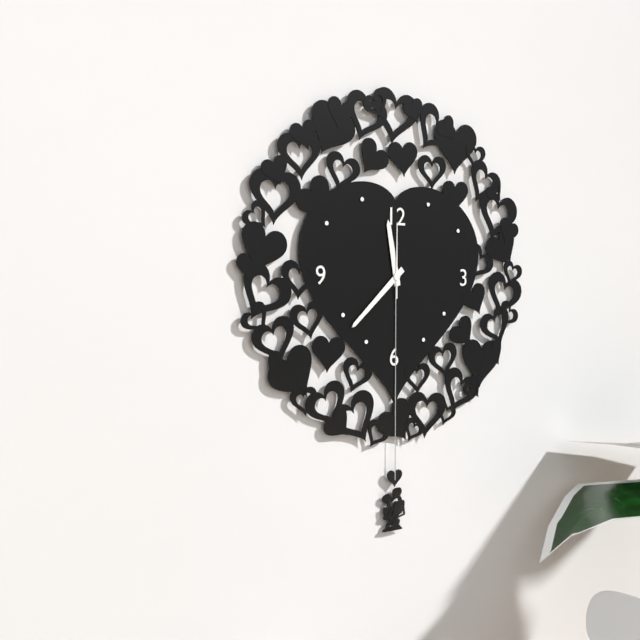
11:38:00
